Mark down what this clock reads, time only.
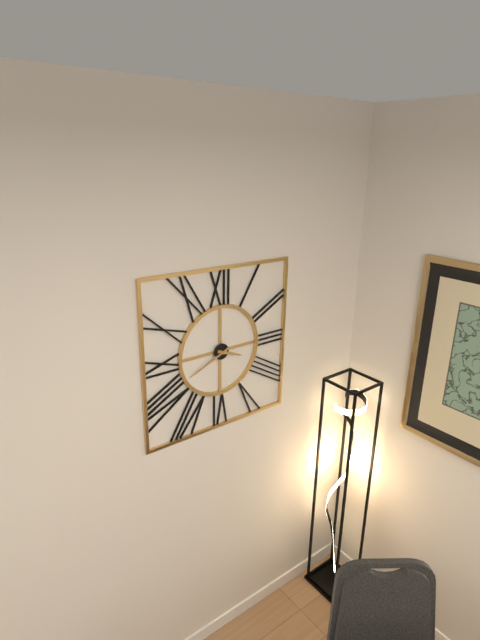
3:41
